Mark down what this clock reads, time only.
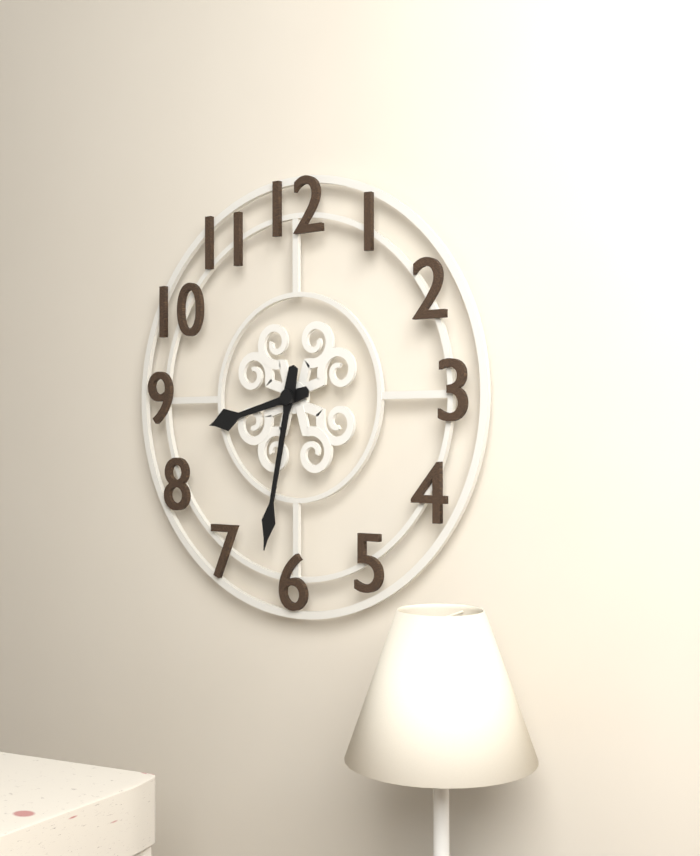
8:32
